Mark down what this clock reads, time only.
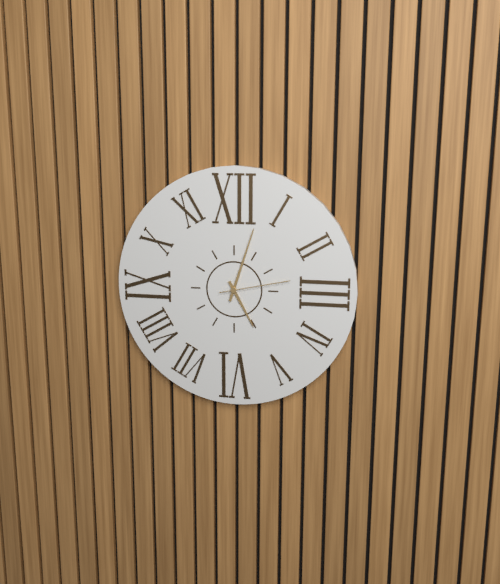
5:03:13
